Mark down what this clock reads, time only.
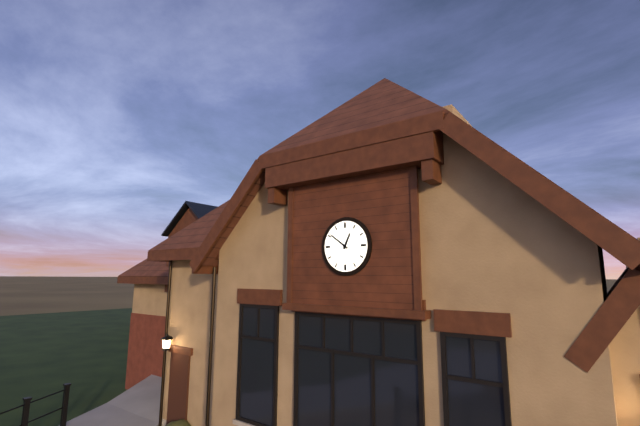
12:51
